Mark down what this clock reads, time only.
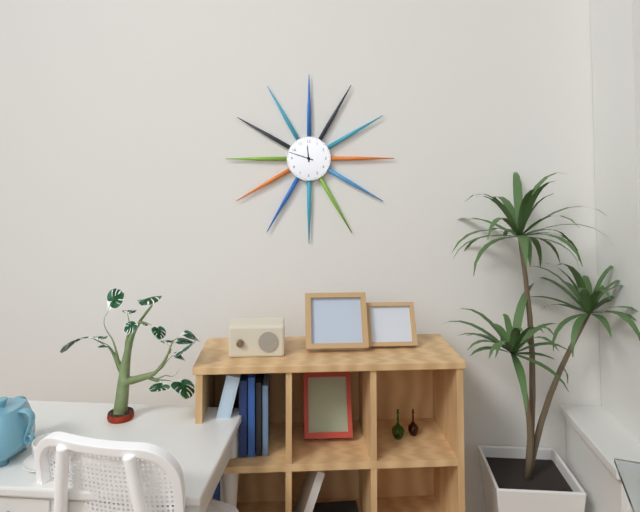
11:48
